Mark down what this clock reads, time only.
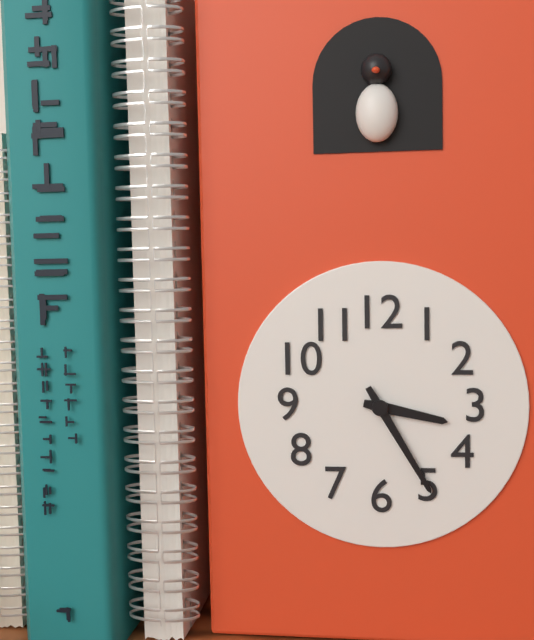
3:25
